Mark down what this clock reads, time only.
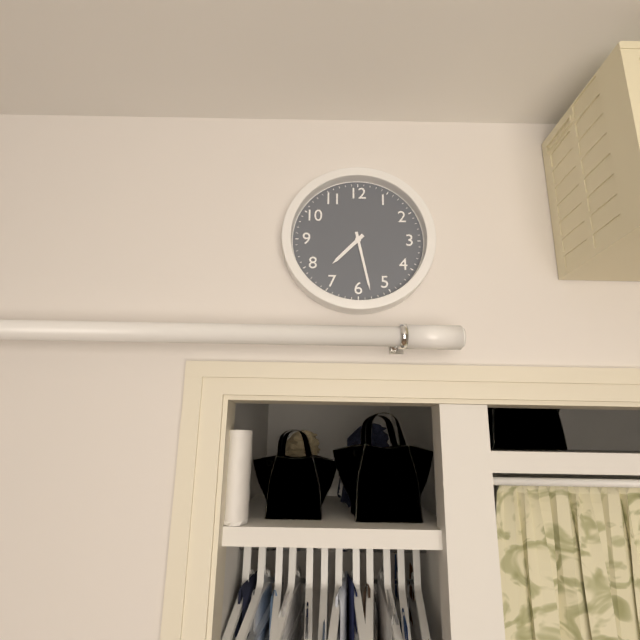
7:28
